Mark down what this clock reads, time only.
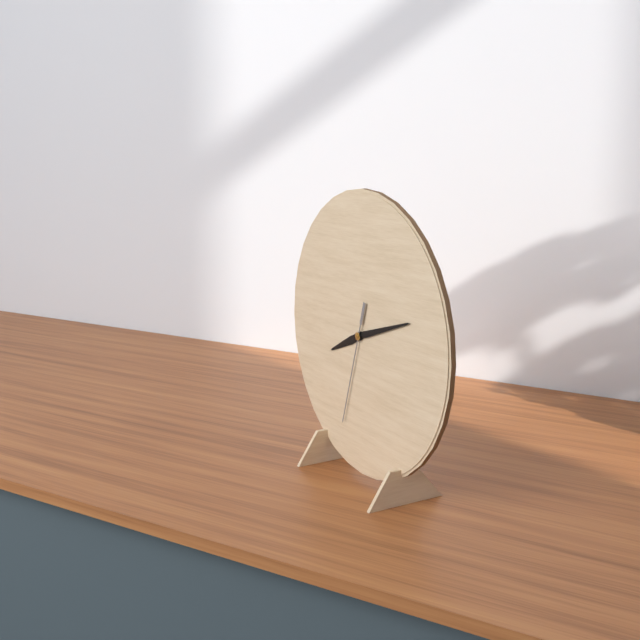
8:12:33
